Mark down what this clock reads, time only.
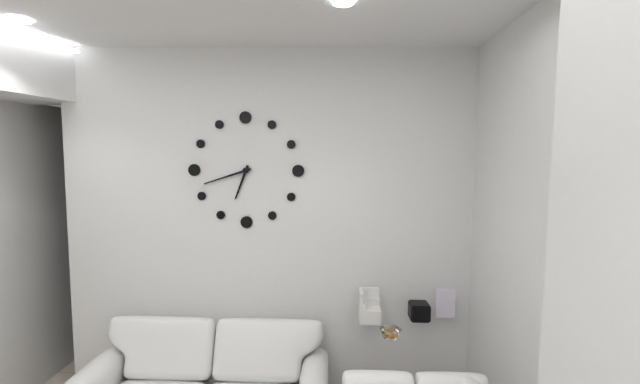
6:42
